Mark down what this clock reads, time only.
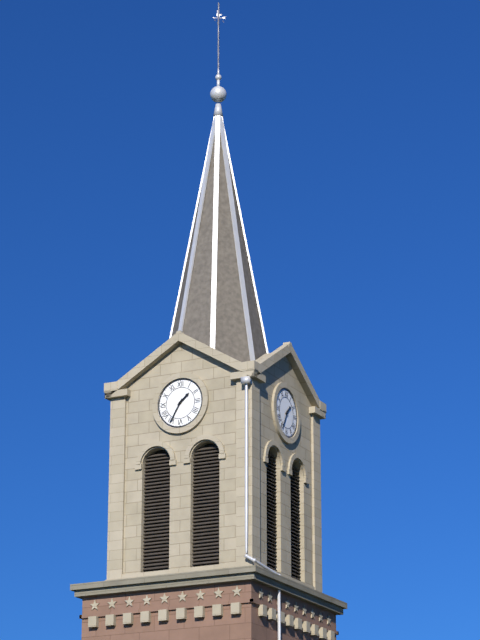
1:35
